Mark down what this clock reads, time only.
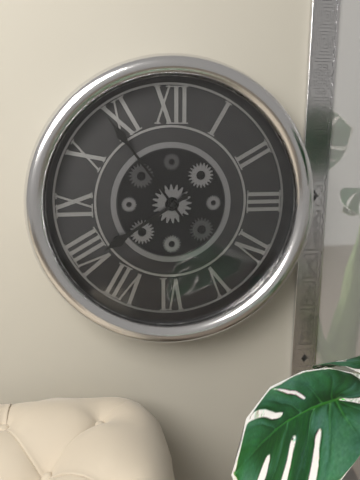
7:54
